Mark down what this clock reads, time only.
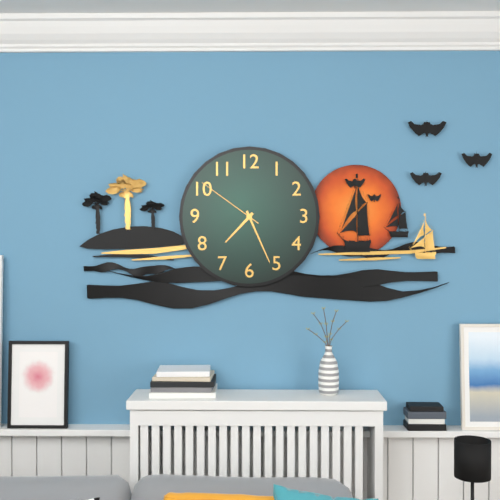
7:26:51
